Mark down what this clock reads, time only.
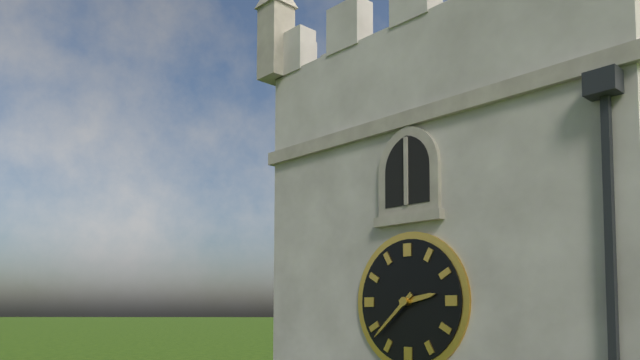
2:38
